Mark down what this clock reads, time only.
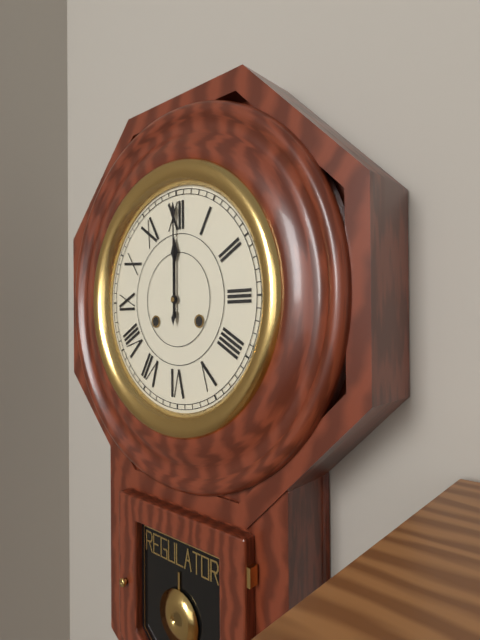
12:00
